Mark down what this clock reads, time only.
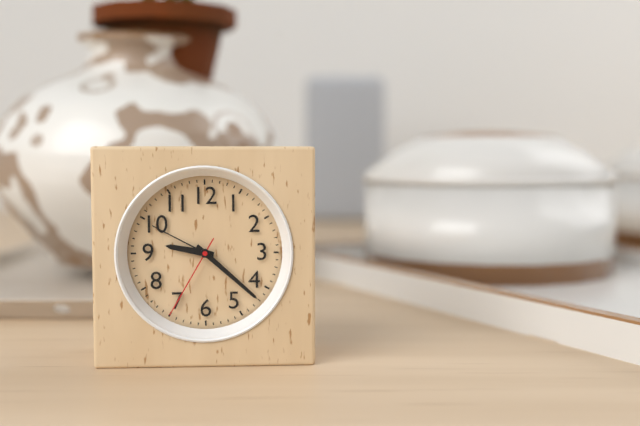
9:22:35
